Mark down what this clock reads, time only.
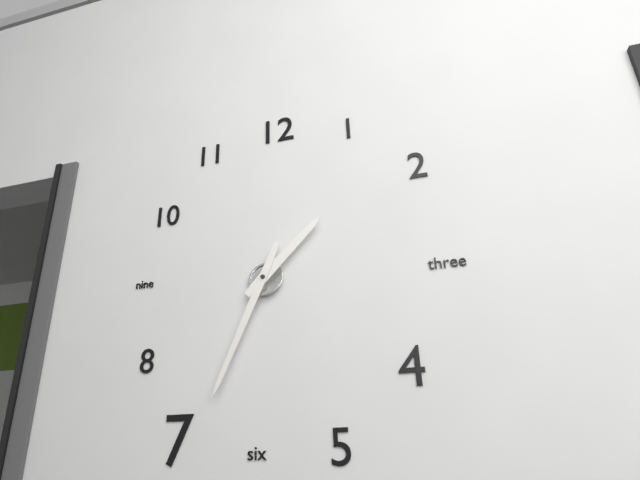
1:34
